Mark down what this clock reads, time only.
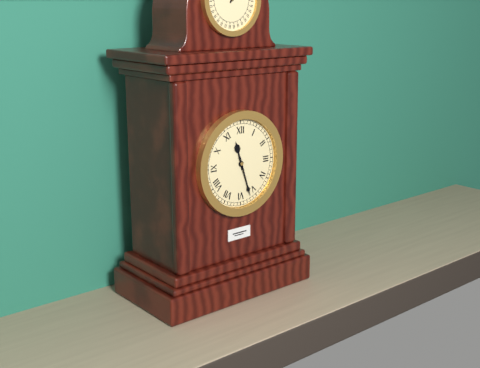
11:27
